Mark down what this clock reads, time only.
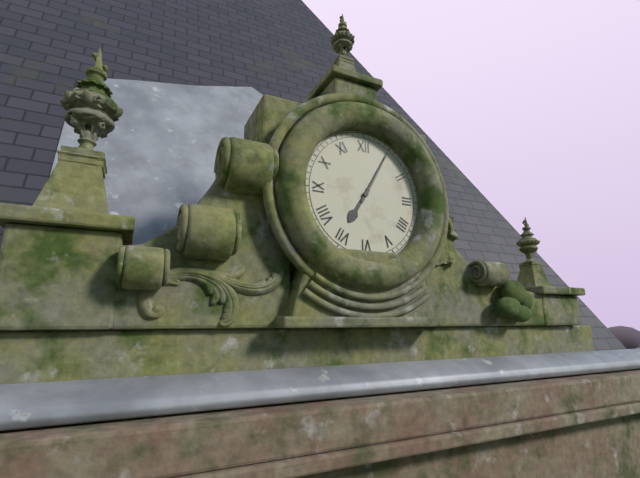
7:05
